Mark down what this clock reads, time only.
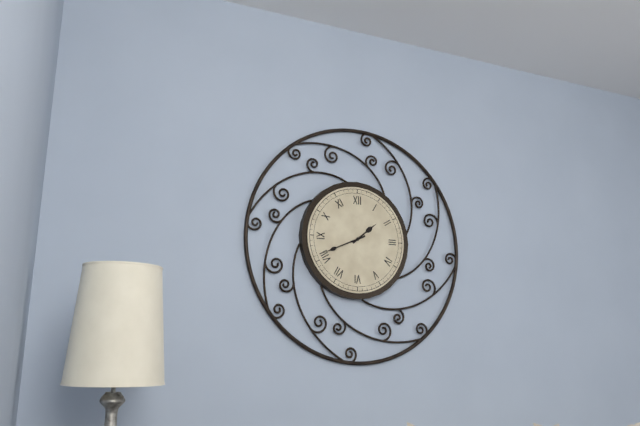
1:41
